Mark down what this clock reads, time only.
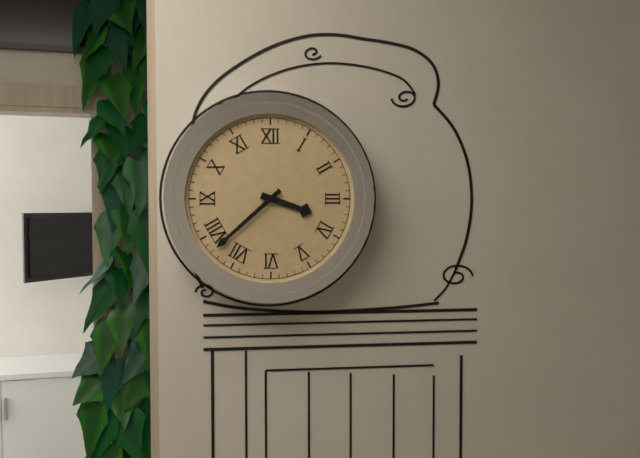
3:38
